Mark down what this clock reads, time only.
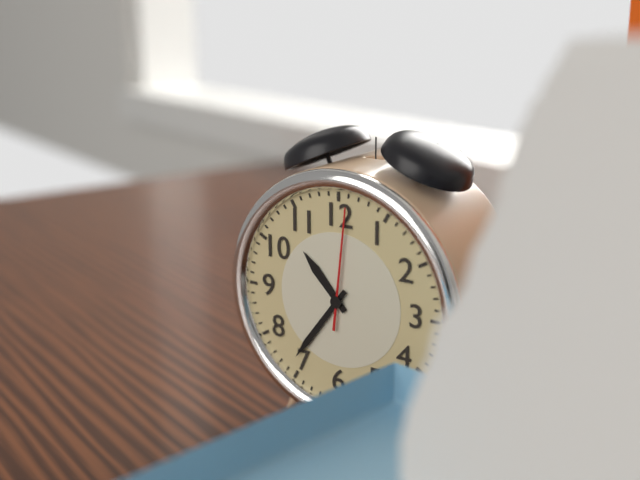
10:36:01
